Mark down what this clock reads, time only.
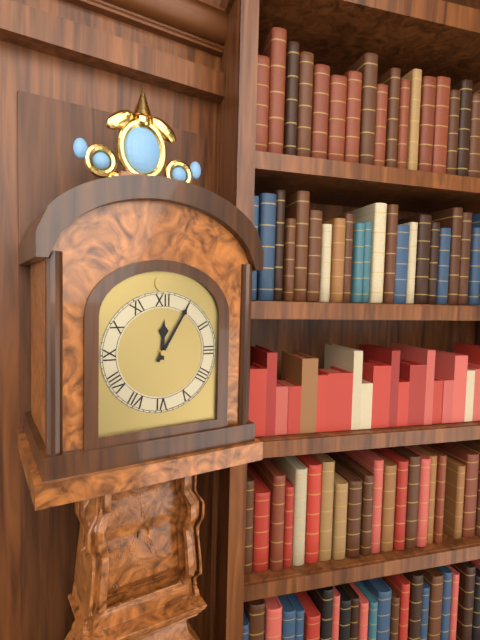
12:05
